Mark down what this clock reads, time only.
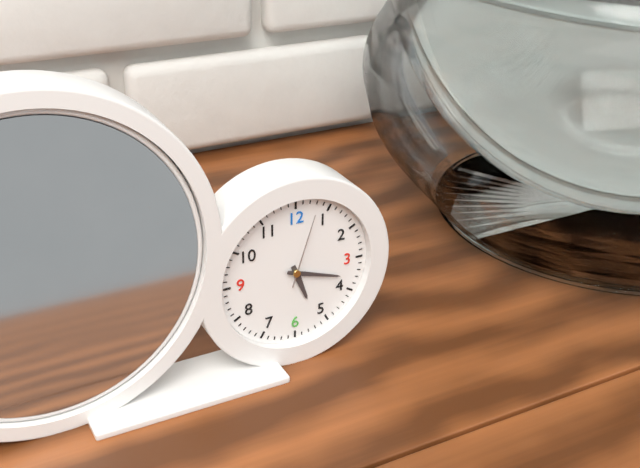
5:18:03
